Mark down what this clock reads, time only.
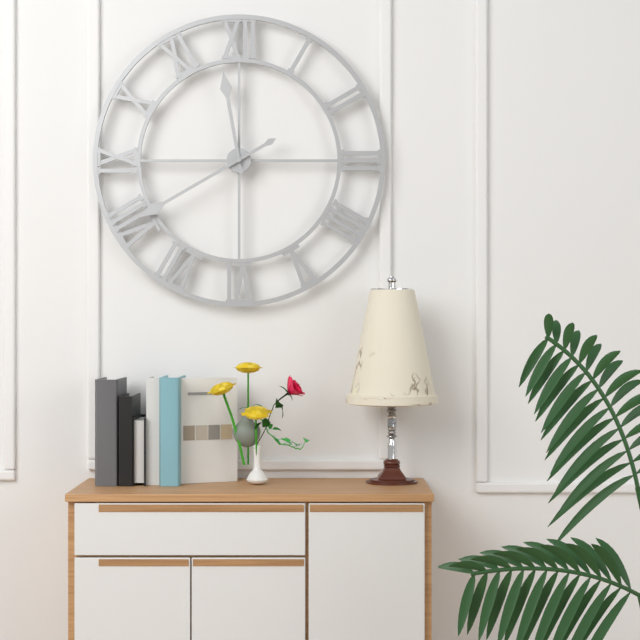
11:40
